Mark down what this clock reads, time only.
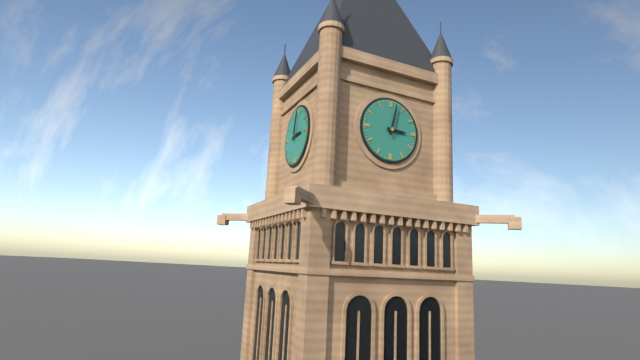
3:02
